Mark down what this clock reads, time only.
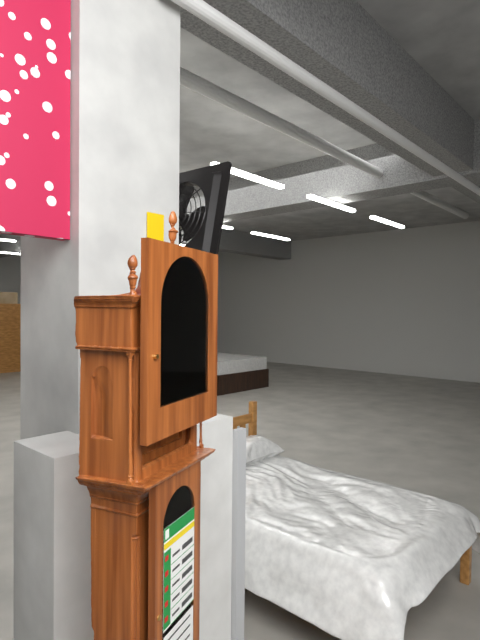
5:20
